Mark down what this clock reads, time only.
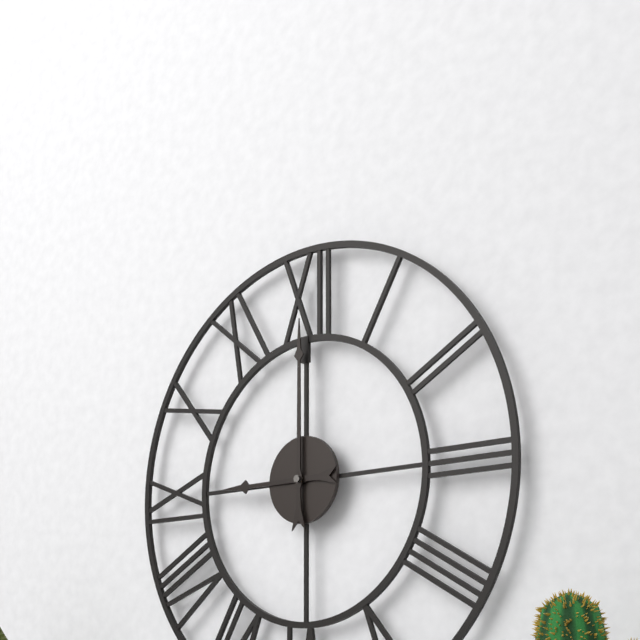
9:00
